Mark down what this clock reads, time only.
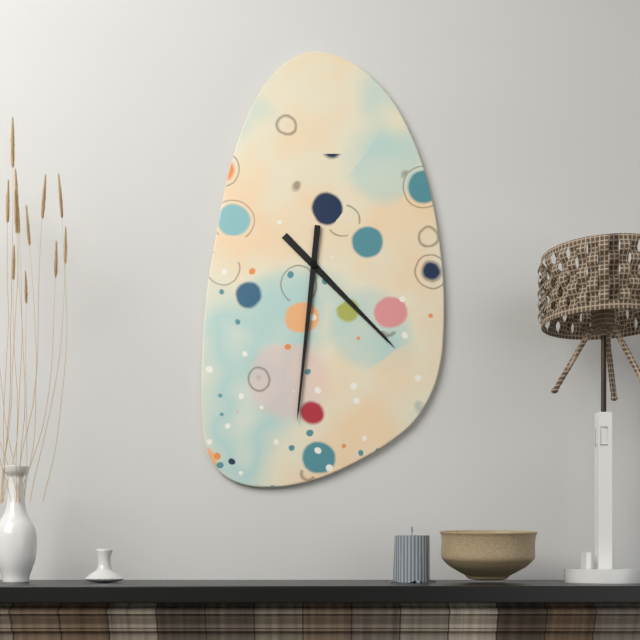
4:31
